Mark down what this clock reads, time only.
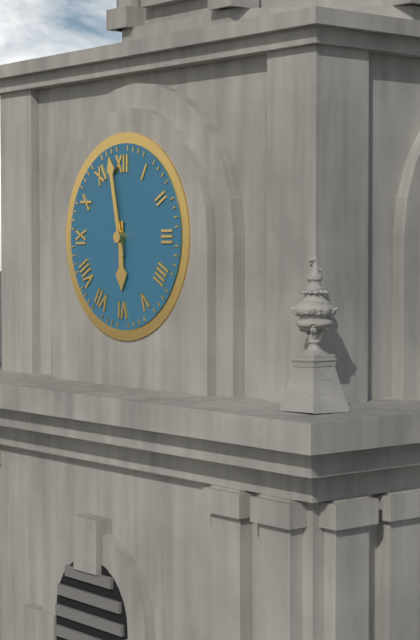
5:58
